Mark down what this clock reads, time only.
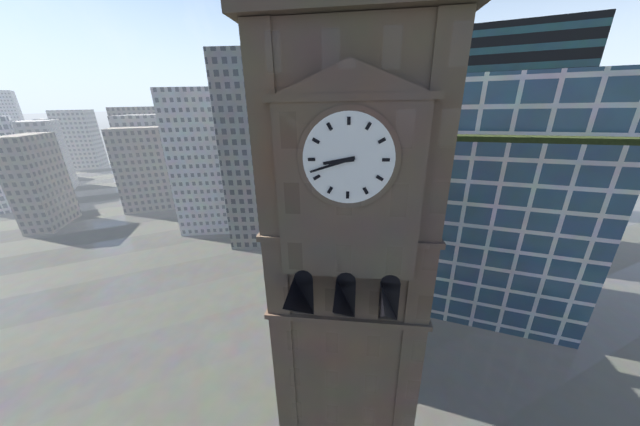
8:42
